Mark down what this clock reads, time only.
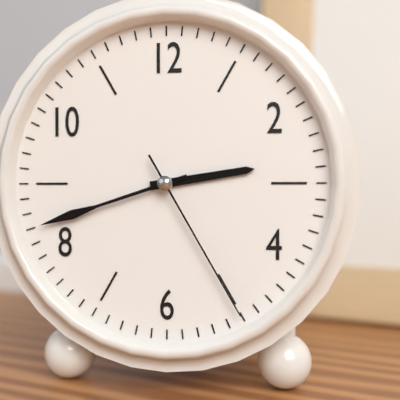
2:42:25
